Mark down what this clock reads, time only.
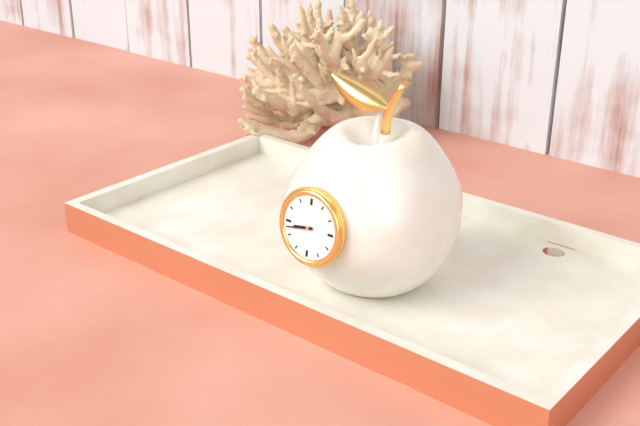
8:43
